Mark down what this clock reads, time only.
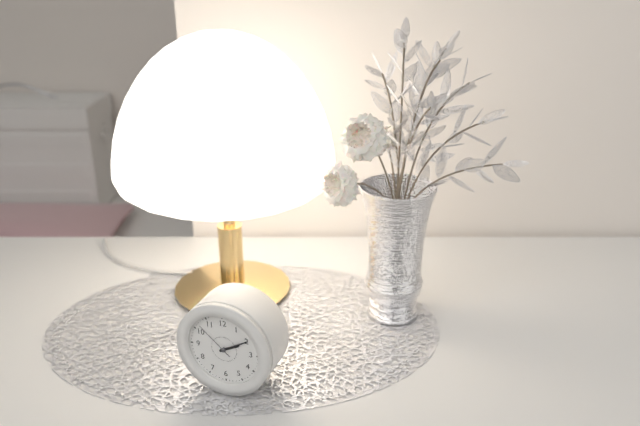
2:10
